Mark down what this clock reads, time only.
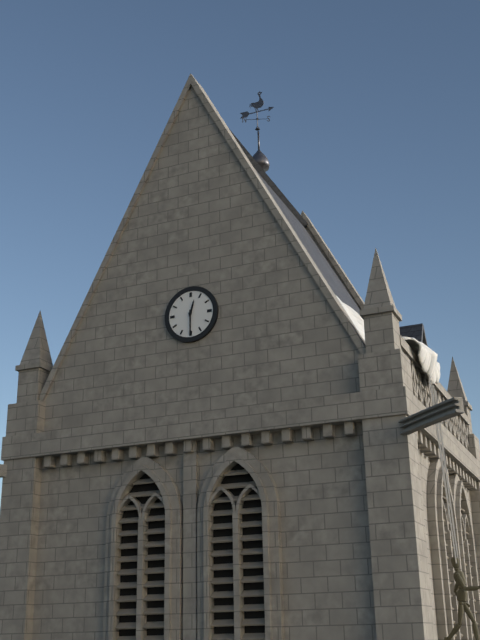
12:30
